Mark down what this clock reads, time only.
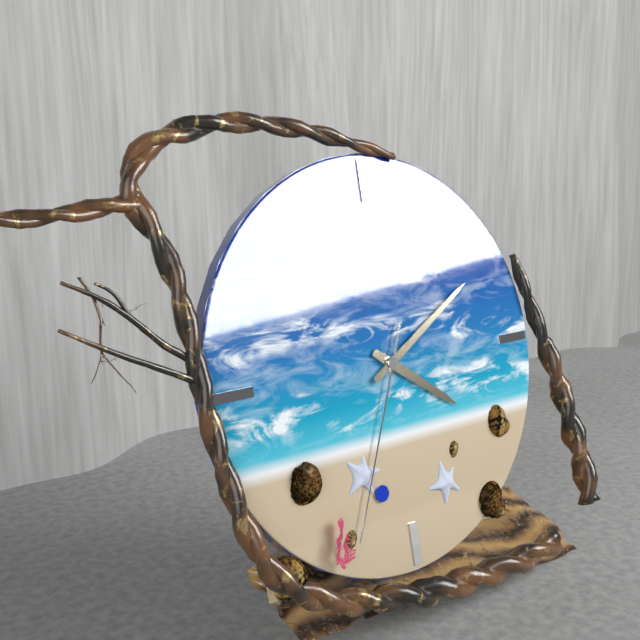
4:10:34
